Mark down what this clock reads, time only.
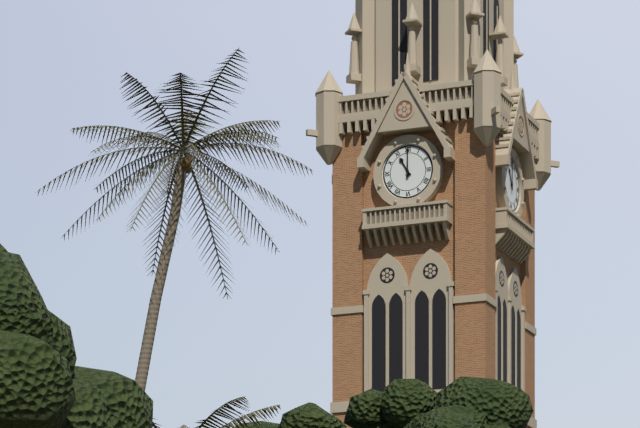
11:00
